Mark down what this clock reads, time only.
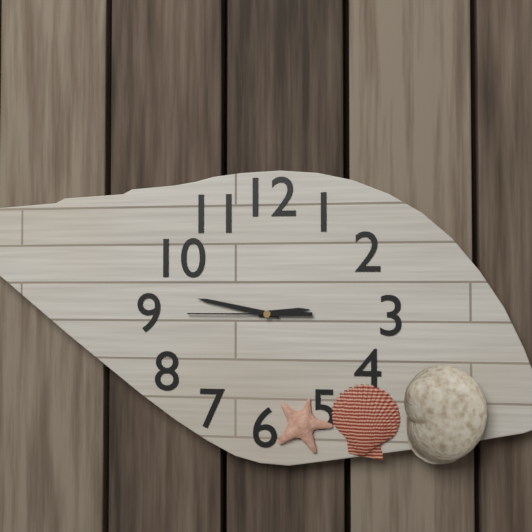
2:47:45
